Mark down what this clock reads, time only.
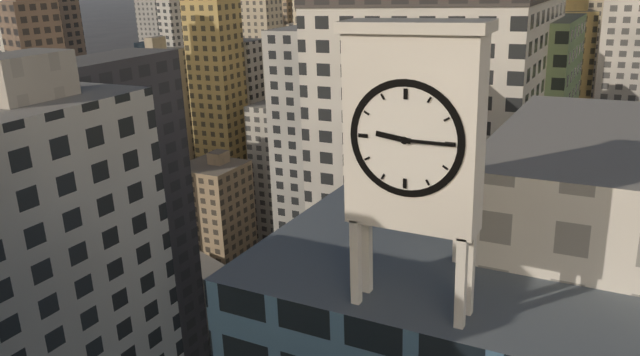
9:15
